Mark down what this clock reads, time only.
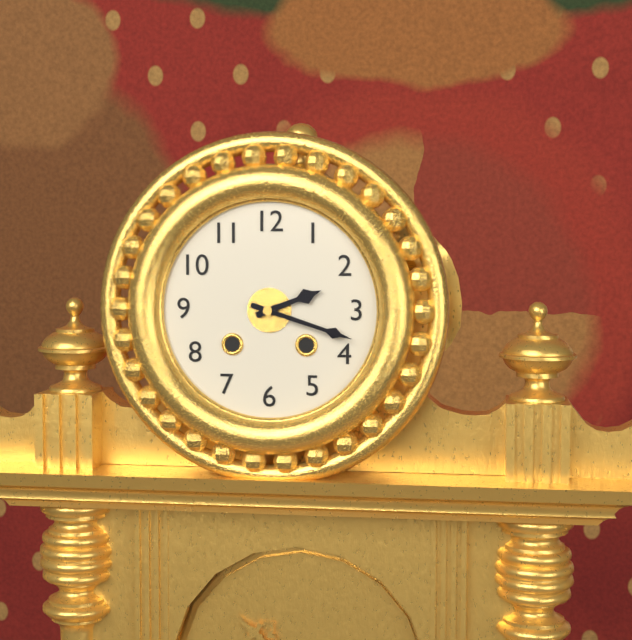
2:18
